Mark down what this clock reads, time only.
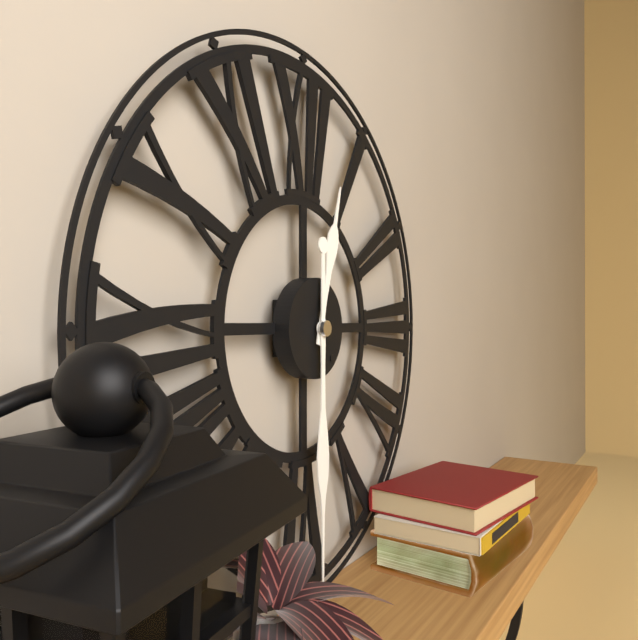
12:30
